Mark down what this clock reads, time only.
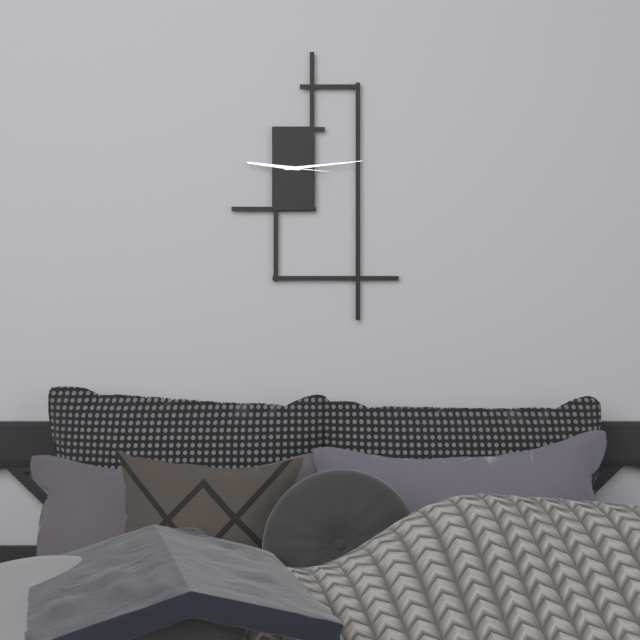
9:14
